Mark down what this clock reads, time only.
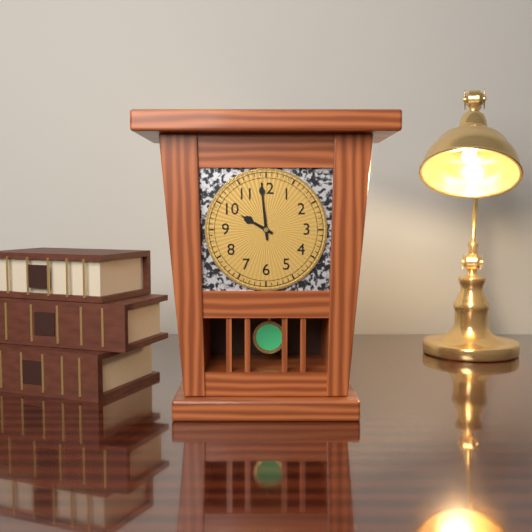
9:59
